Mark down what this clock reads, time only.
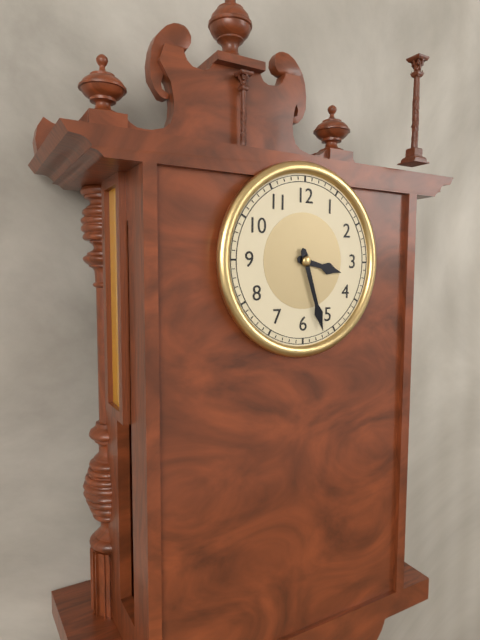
3:27
